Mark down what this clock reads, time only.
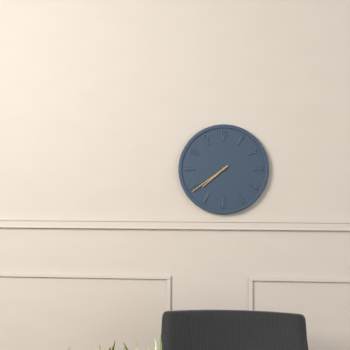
7:39
